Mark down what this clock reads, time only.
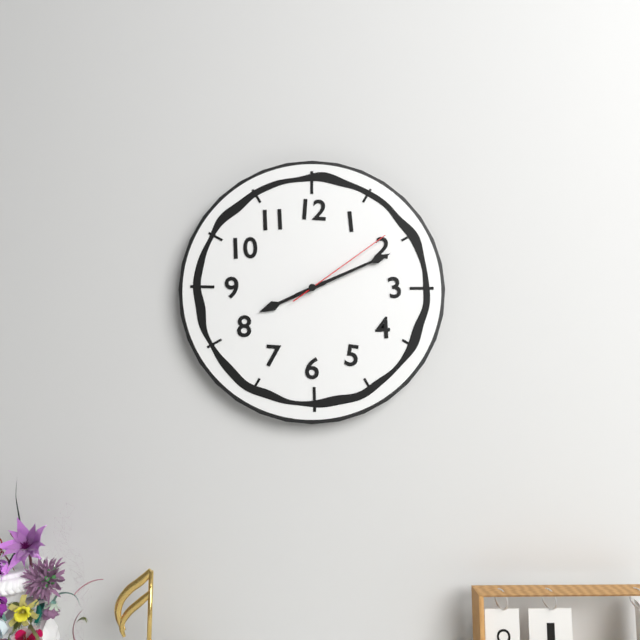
8:11:09
